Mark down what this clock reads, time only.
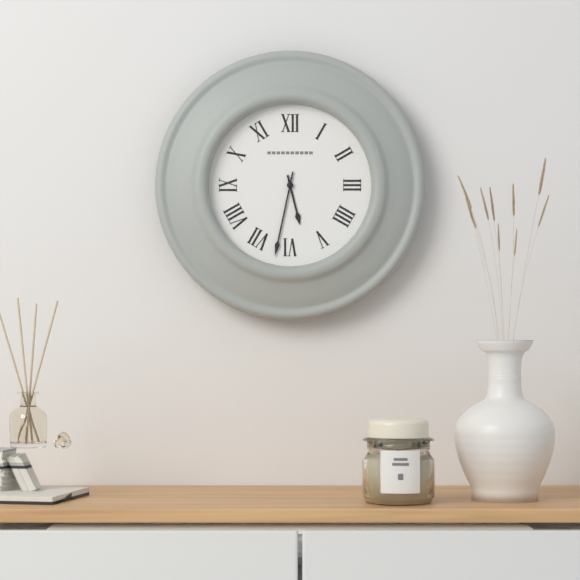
5:32
